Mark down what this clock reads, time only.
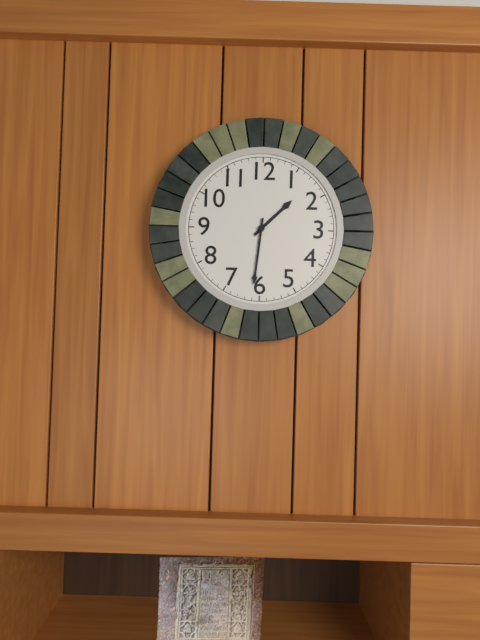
1:31
